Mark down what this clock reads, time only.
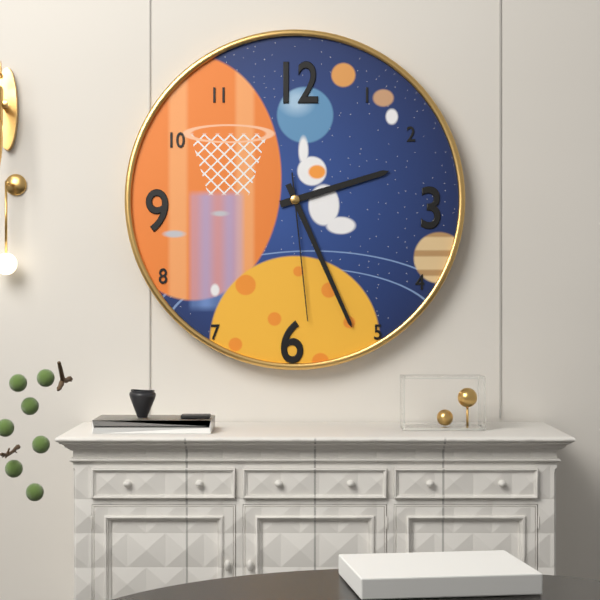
2:26:29
